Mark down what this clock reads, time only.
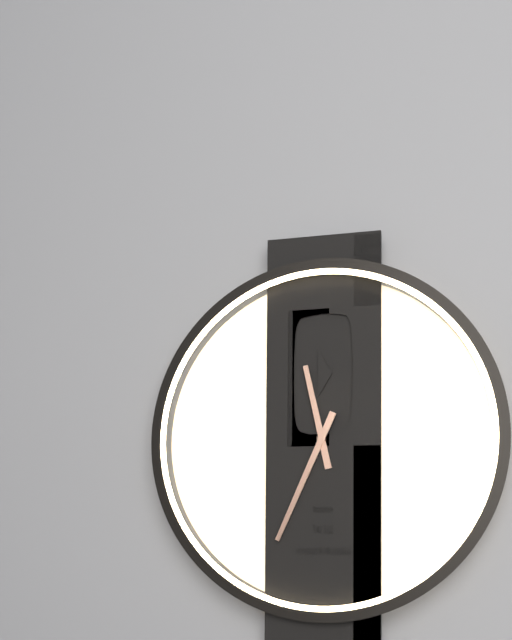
11:34
